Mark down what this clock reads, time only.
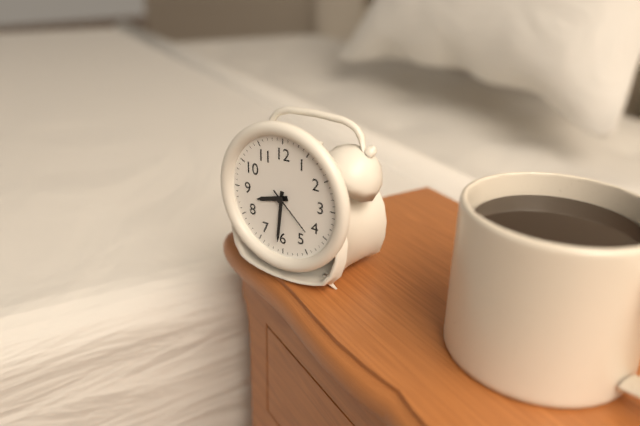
8:31:22
